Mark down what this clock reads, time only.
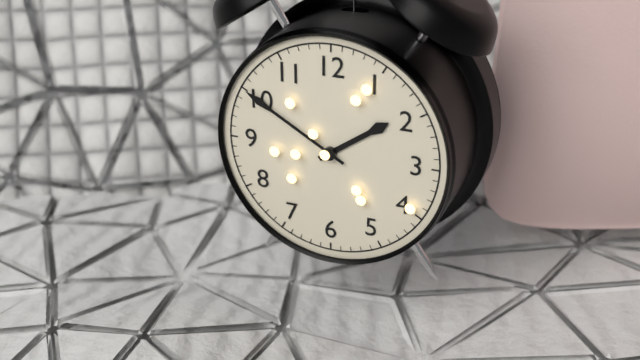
1:50
